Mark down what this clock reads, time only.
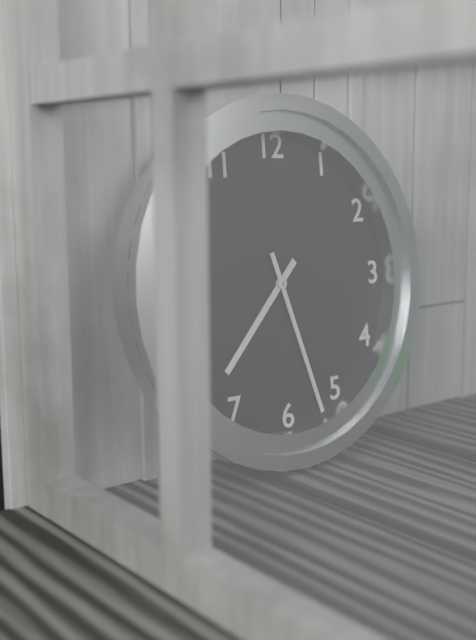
7:27
